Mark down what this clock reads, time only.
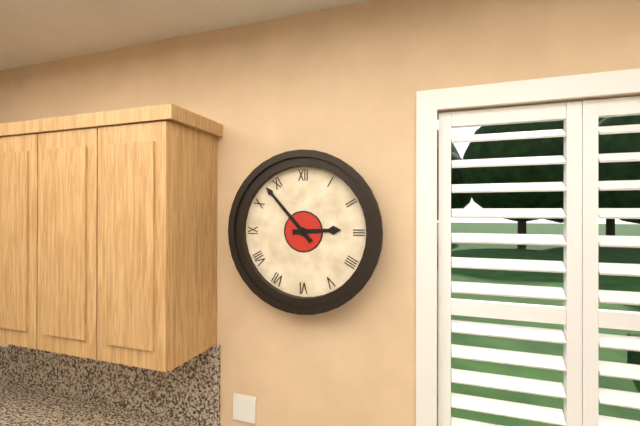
2:53
